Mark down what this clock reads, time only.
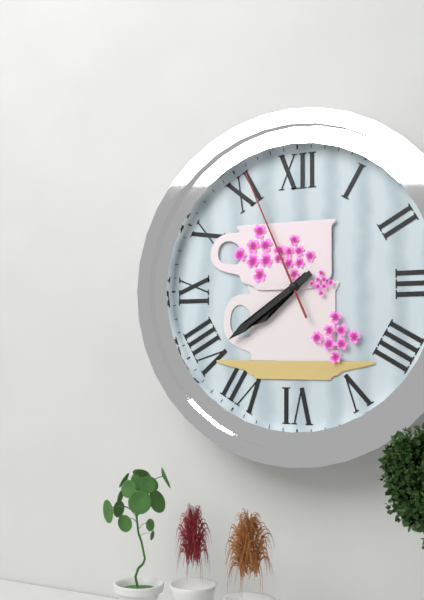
7:39:56
